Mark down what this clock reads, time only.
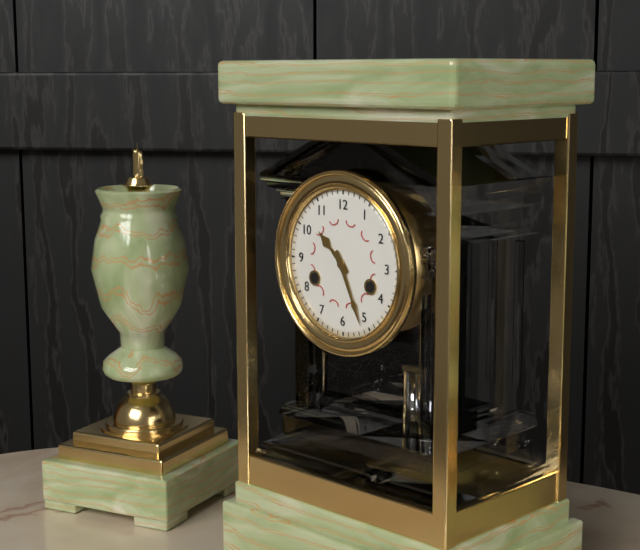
10:26
